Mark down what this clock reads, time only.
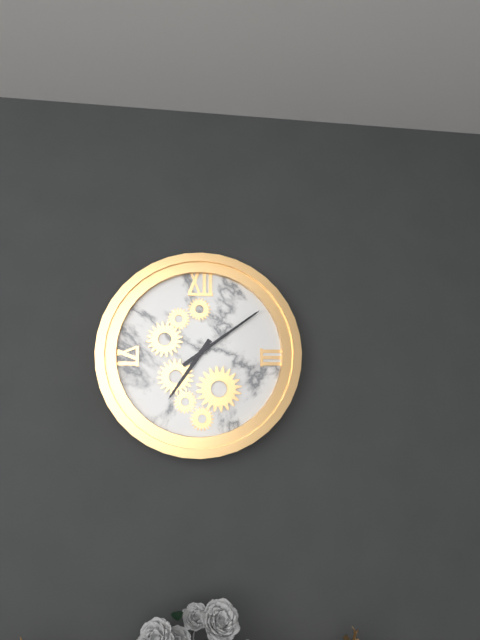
7:09
